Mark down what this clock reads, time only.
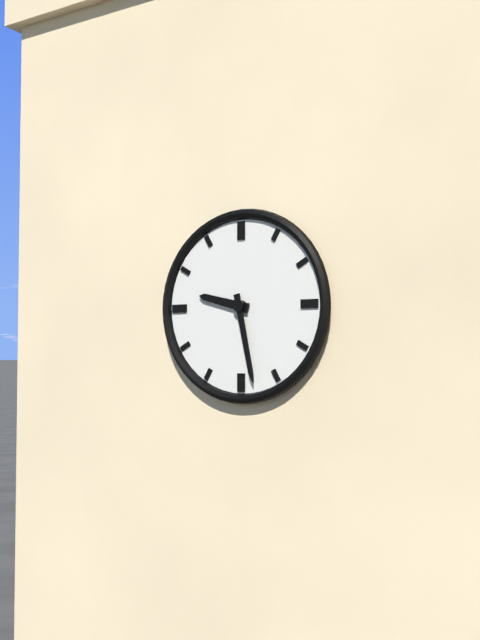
9:28
